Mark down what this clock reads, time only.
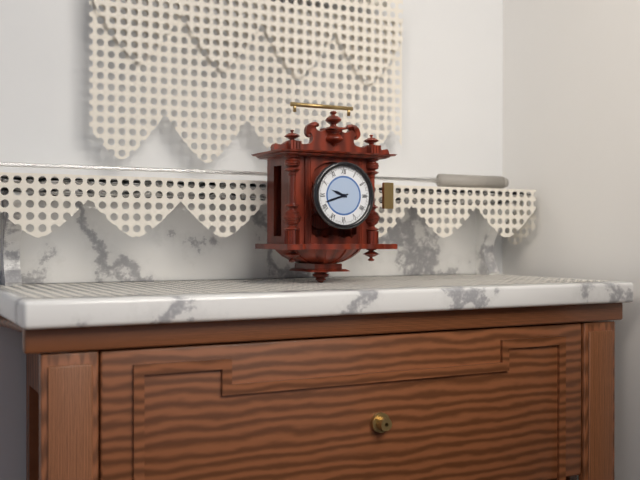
9:42
